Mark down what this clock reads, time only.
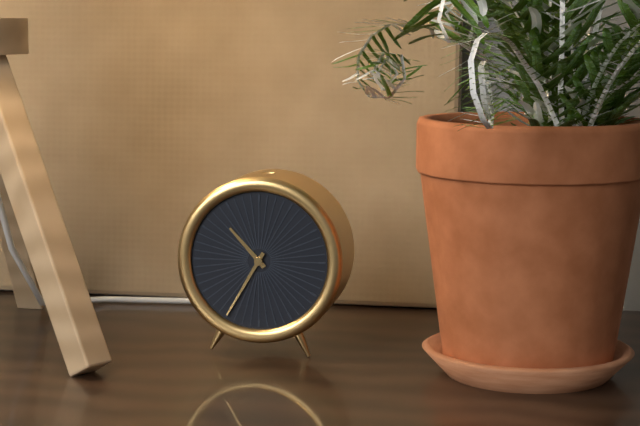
10:35
